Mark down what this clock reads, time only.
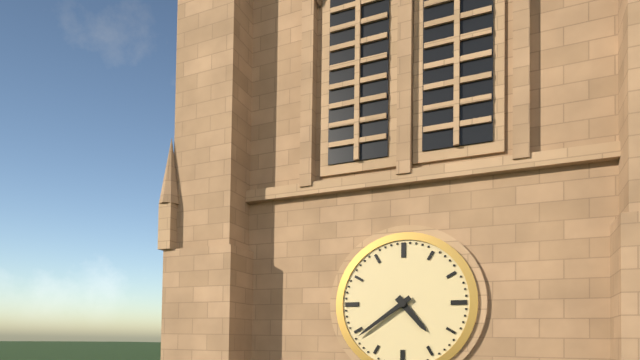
4:39
